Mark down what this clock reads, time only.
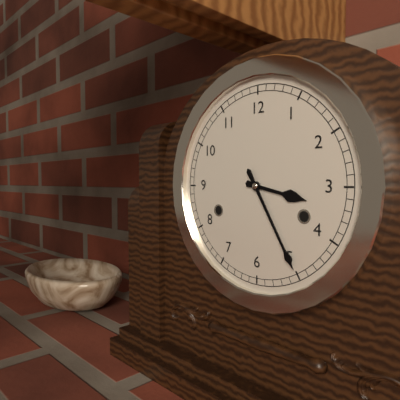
3:25
